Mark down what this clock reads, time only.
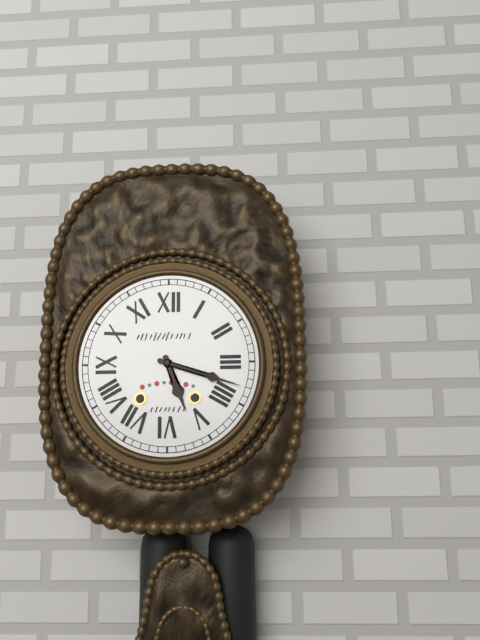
5:18
